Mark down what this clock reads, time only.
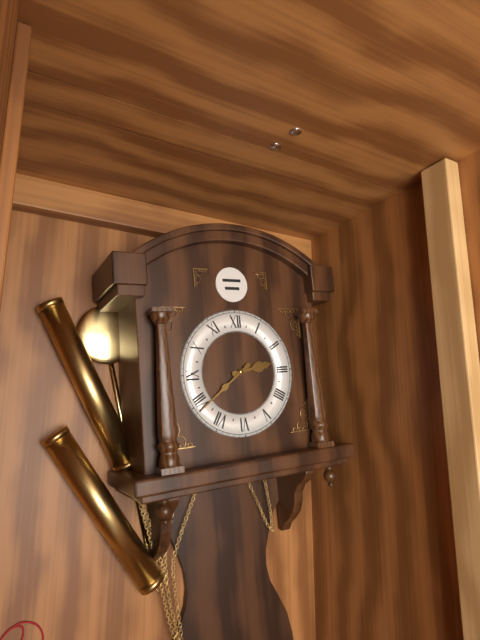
2:39
